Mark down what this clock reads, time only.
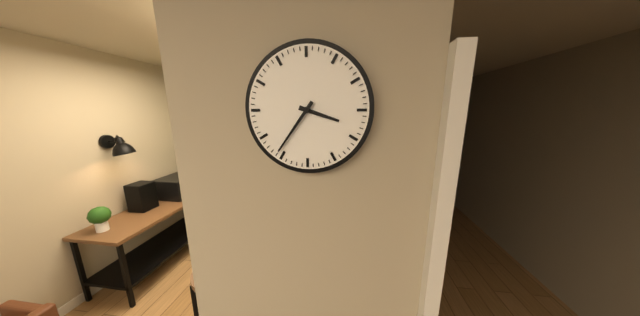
3:36
